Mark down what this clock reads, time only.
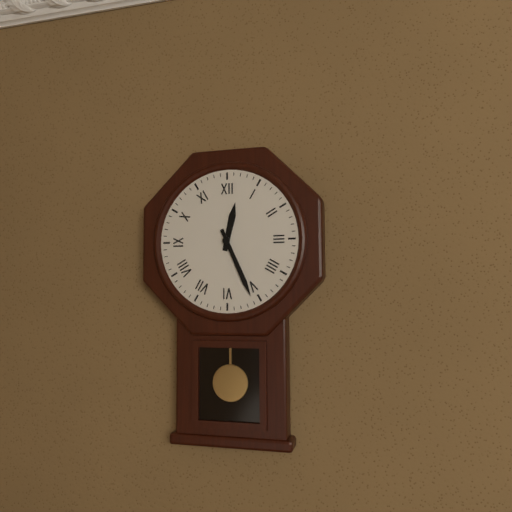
12:26
